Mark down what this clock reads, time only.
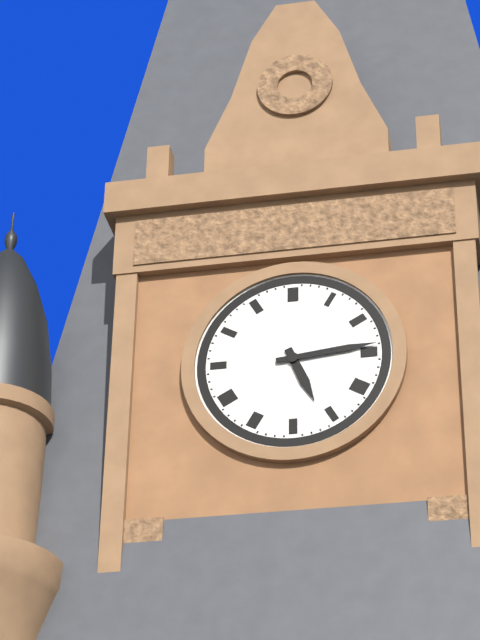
5:14
